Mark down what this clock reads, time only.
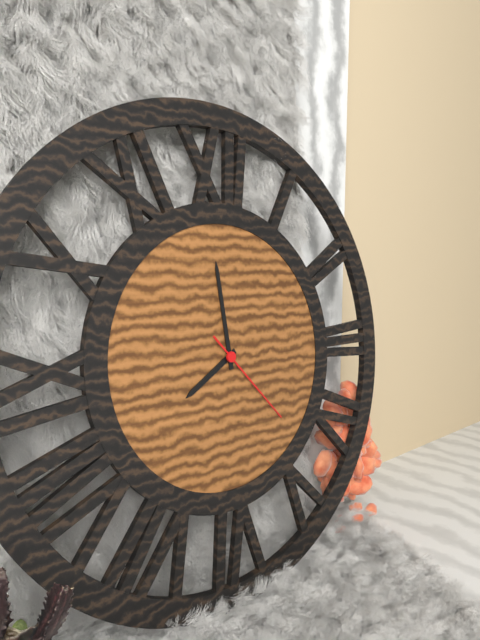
7:59:23
